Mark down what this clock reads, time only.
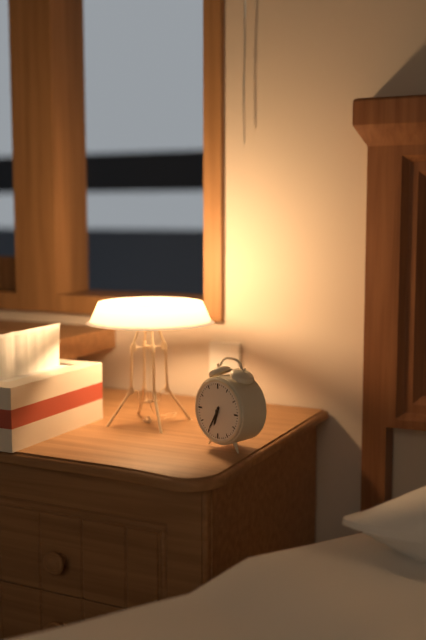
6:35
